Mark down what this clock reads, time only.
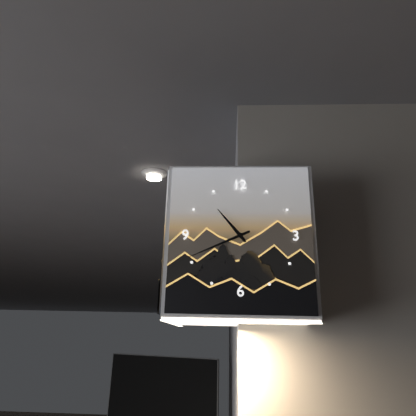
10:41
